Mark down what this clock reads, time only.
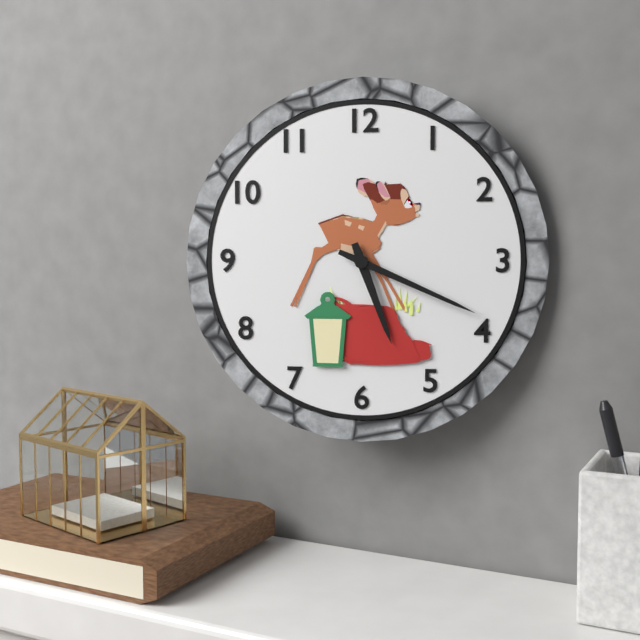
5:19
